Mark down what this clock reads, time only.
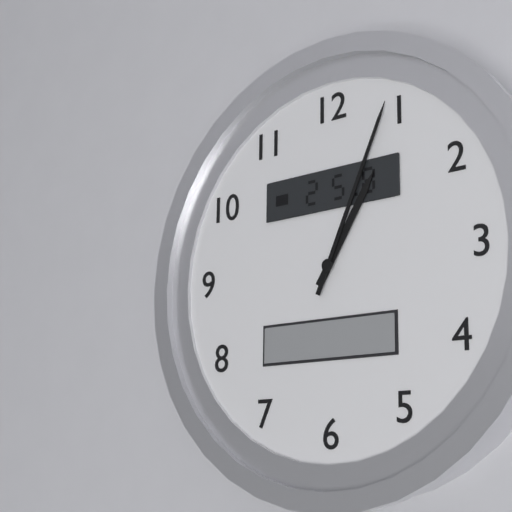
1:04
